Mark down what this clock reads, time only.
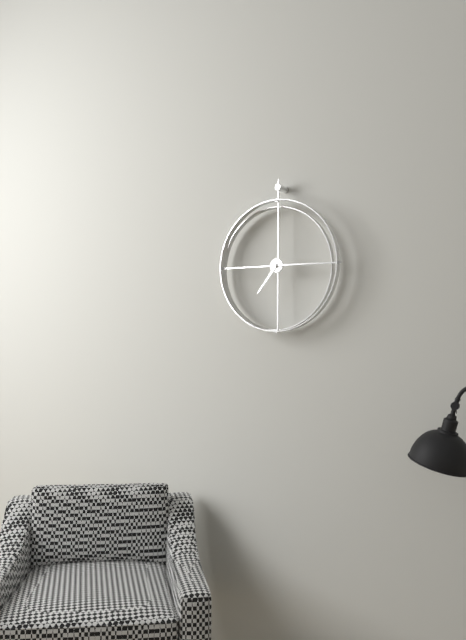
7:15
